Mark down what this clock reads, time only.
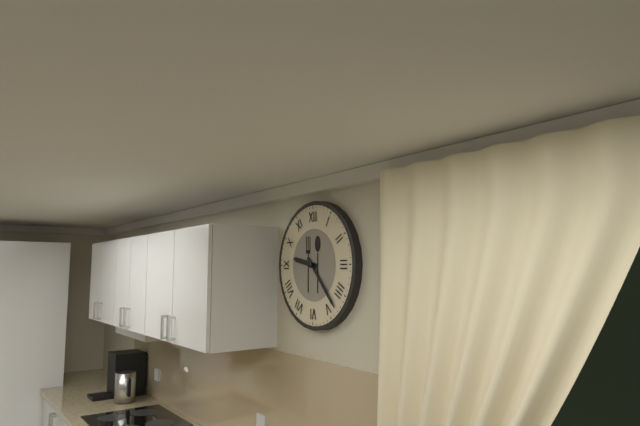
9:23
